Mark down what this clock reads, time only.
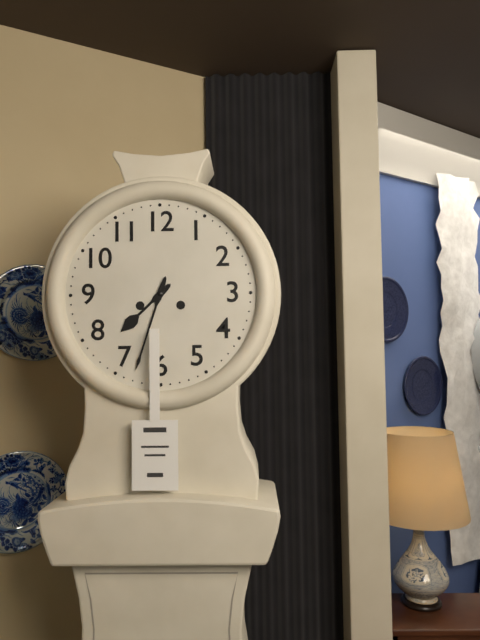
7:33
